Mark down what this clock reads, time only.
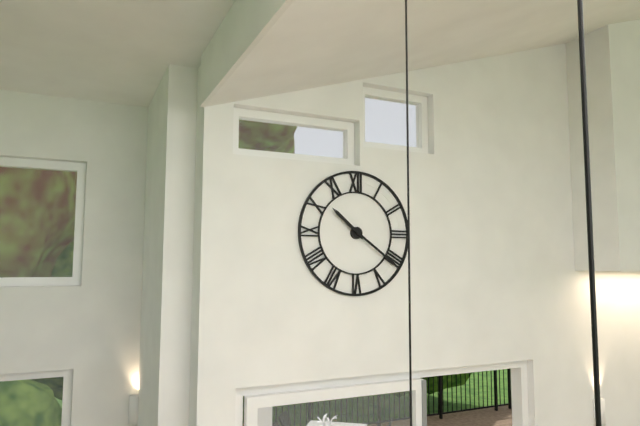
10:21
